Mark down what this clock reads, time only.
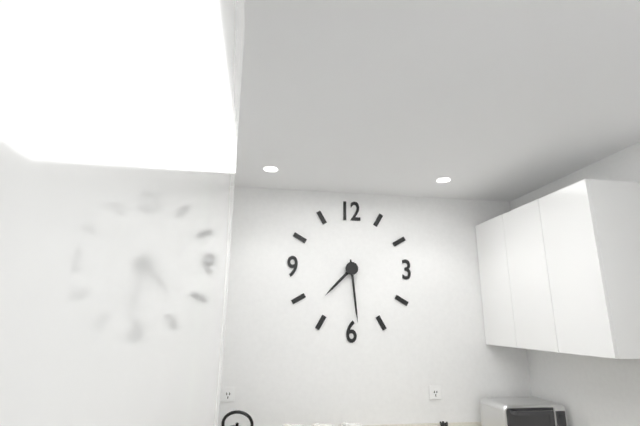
7:29
